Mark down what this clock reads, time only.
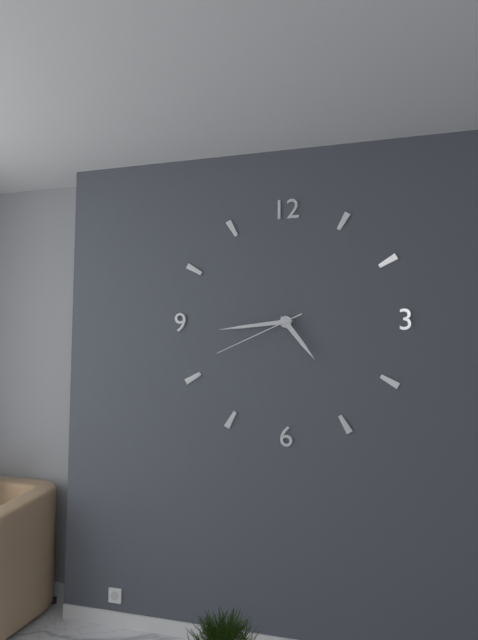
4:44:41
